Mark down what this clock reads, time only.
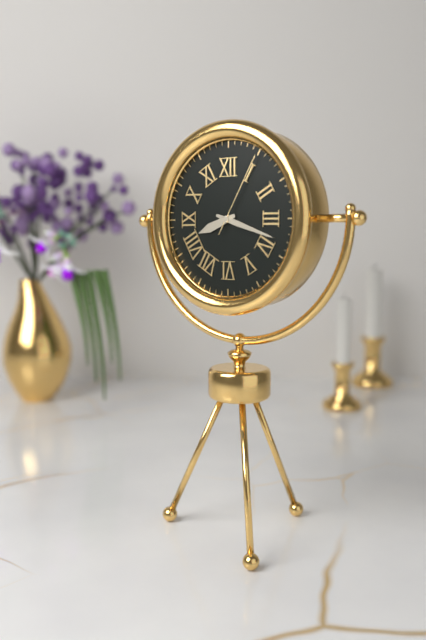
8:18:05
